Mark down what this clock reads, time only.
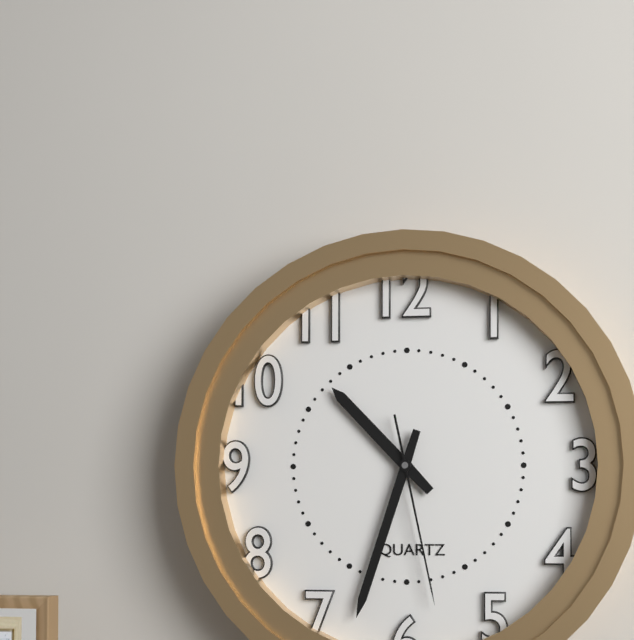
10:33:28
